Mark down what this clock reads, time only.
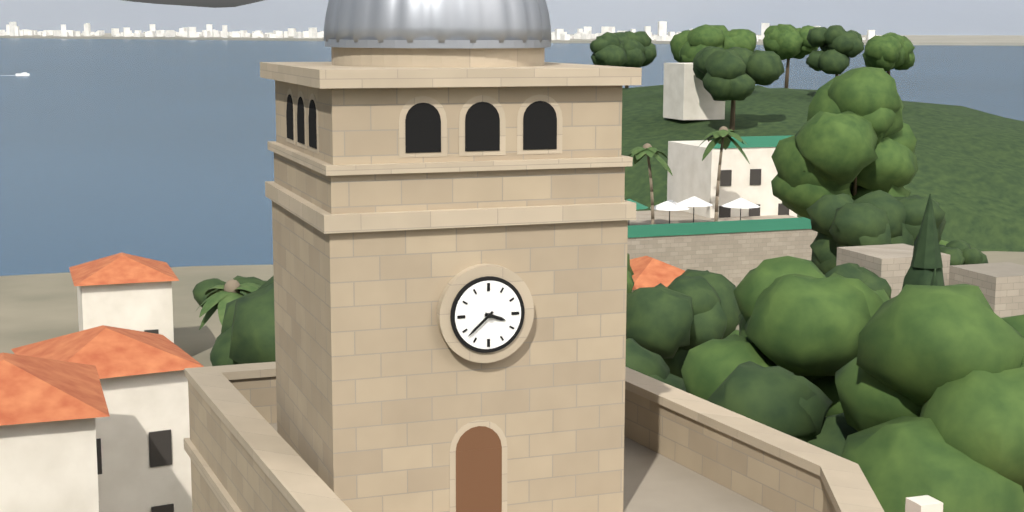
3:38
